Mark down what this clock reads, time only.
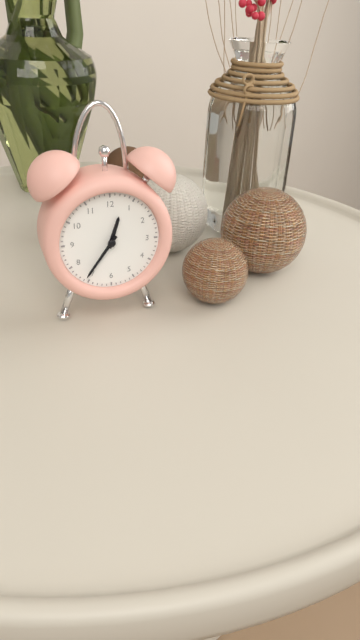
12:36
